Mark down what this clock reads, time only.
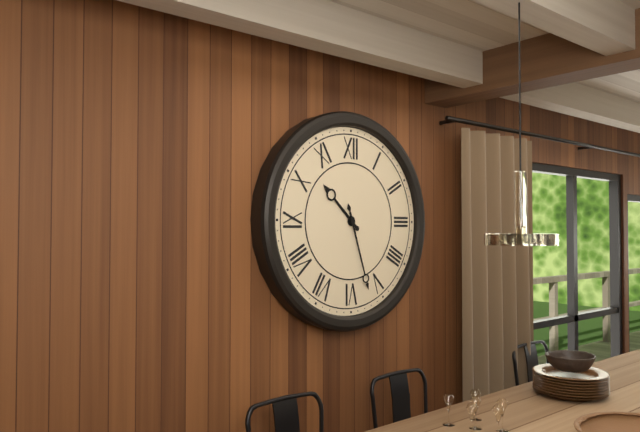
10:27
